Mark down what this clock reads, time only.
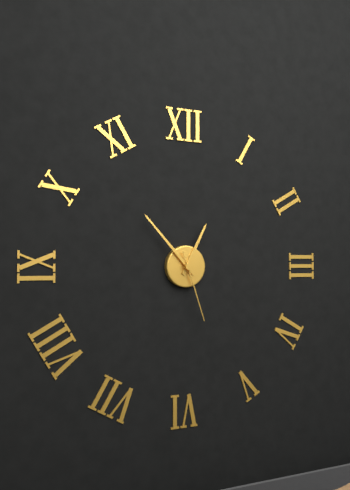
12:53:27
